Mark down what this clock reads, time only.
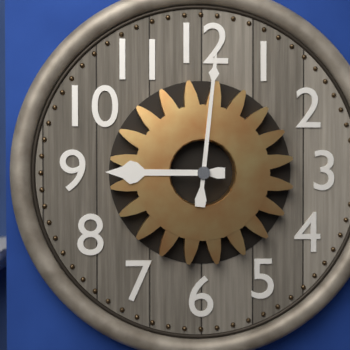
9:01
